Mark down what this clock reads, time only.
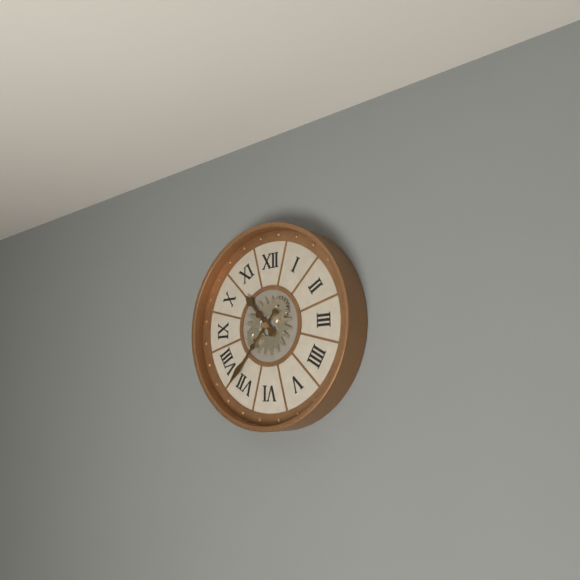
10:37
